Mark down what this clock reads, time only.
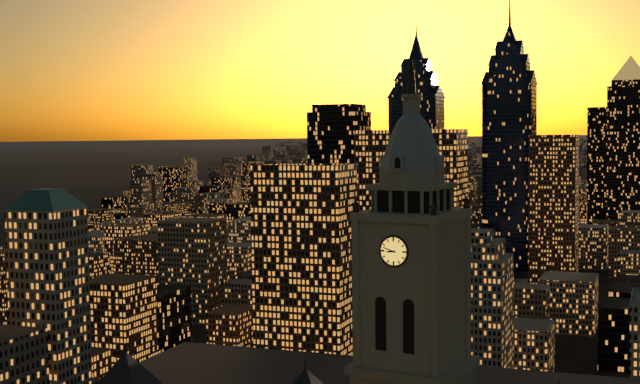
8:48
